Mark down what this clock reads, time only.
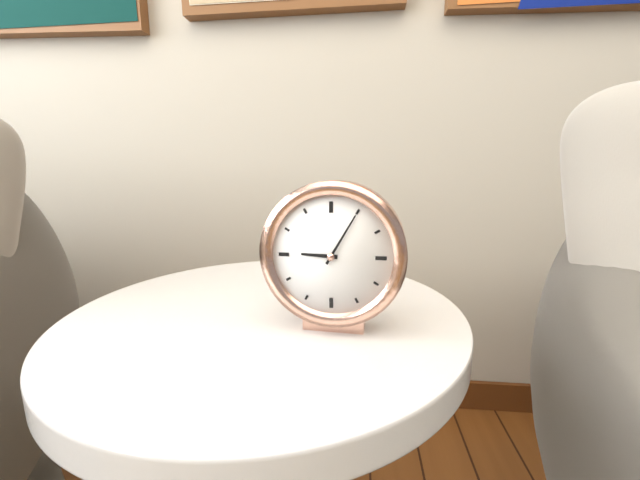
9:05
